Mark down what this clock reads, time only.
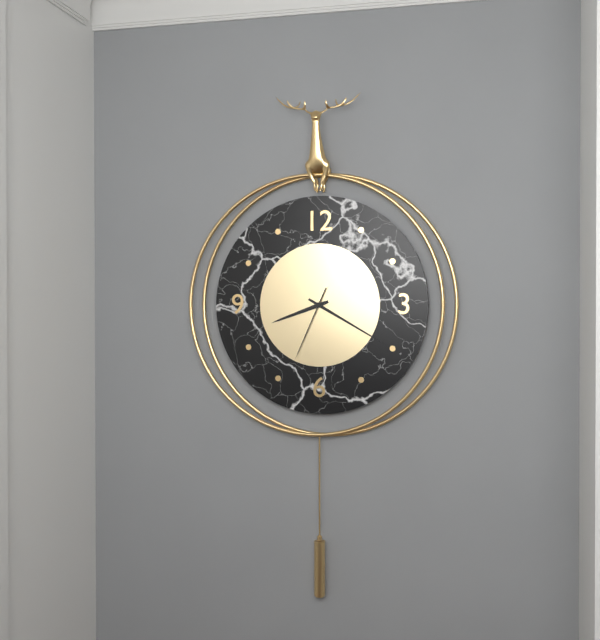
8:20:34
